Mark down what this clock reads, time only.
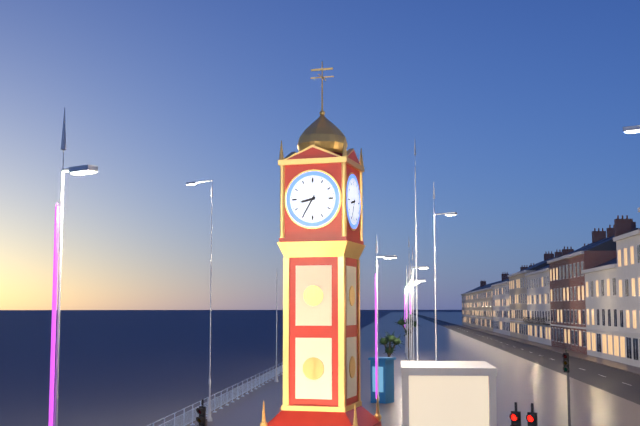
8:35
